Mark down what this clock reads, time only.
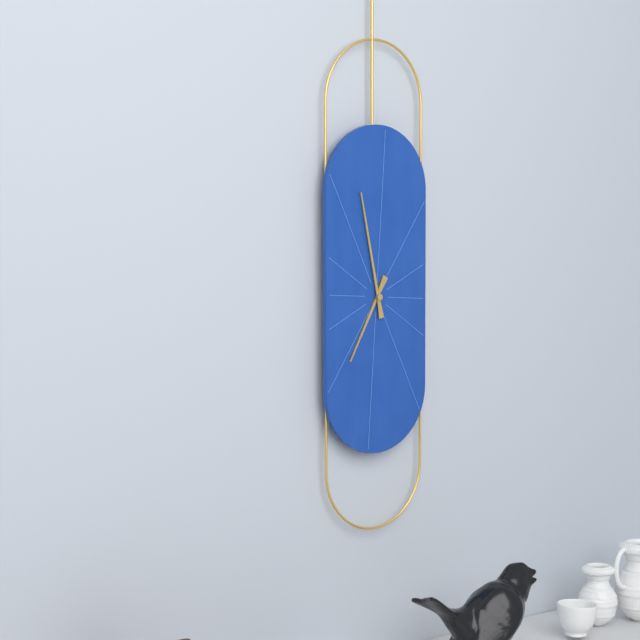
6:58
